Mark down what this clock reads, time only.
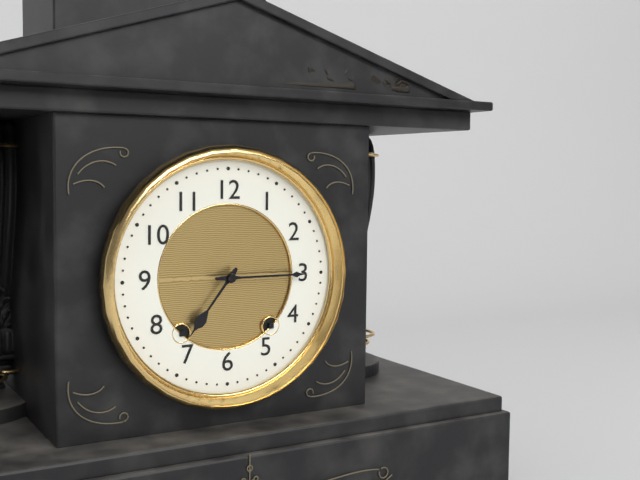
7:15
